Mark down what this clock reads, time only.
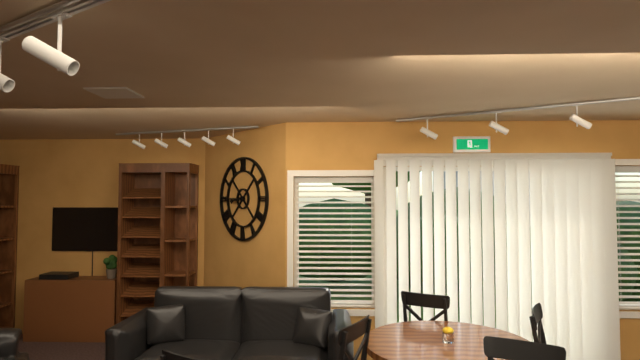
8:45
